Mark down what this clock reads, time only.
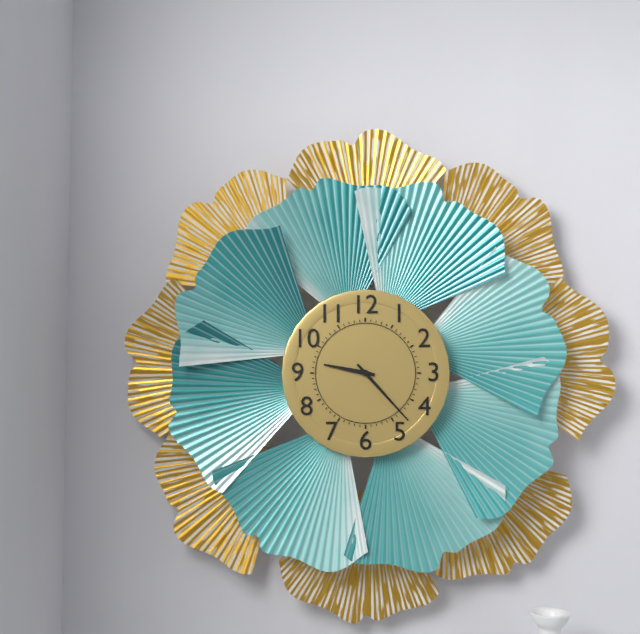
9:23
